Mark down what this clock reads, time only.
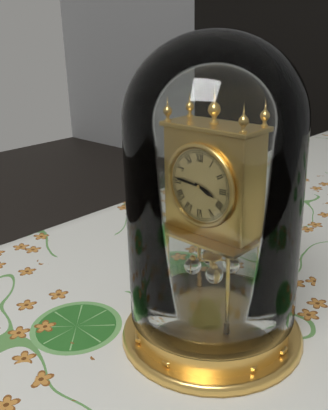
3:46
